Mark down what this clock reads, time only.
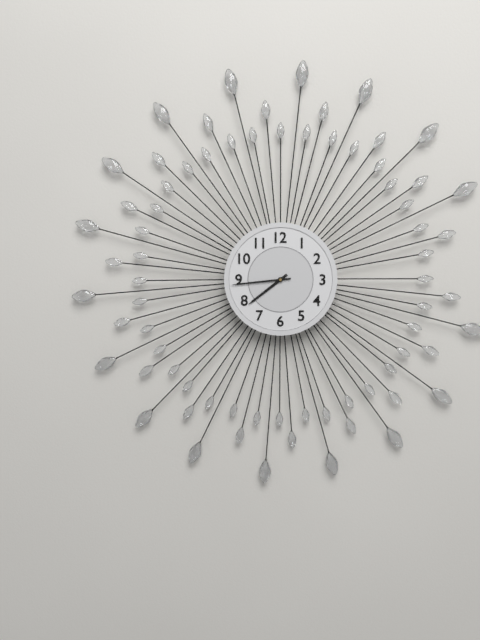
7:44
